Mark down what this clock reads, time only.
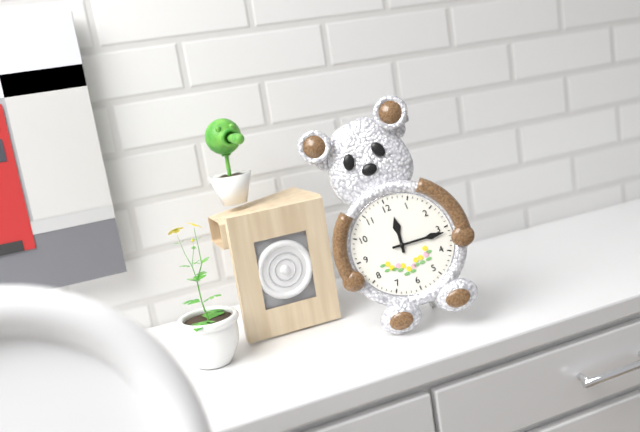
12:16
